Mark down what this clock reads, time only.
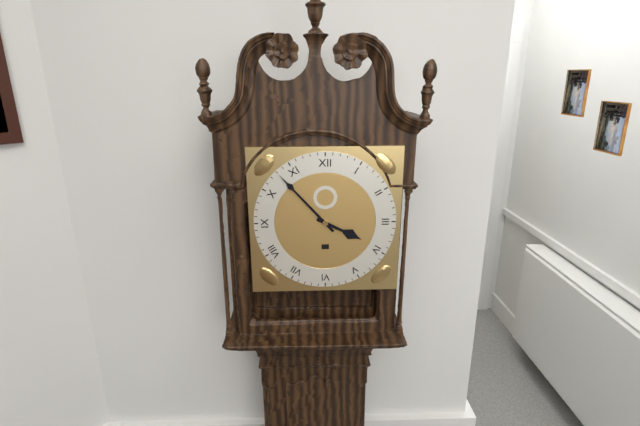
3:53
